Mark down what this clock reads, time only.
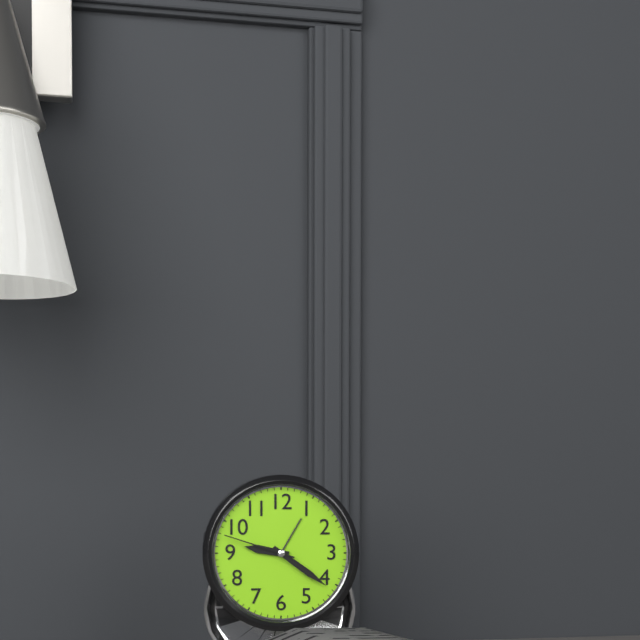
9:21:48
